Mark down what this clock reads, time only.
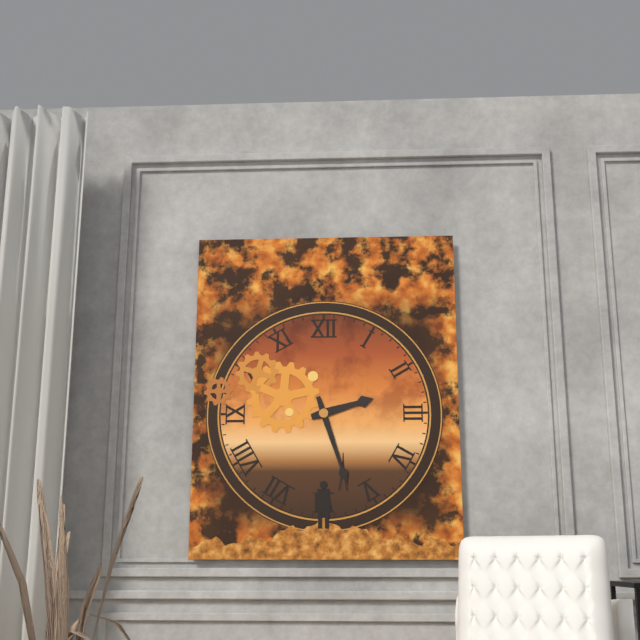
2:27
